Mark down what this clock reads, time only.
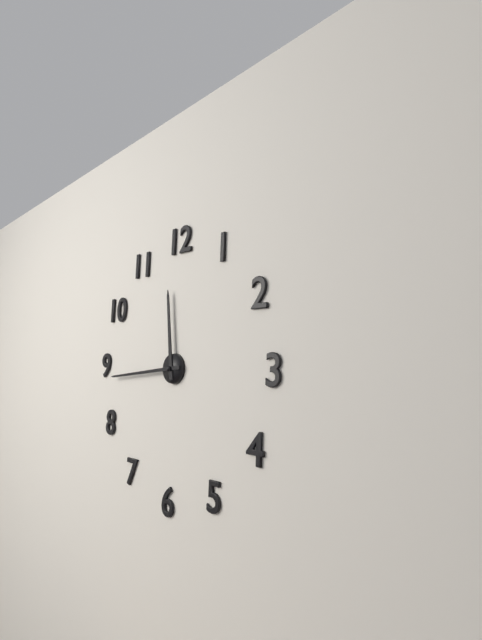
11:44
